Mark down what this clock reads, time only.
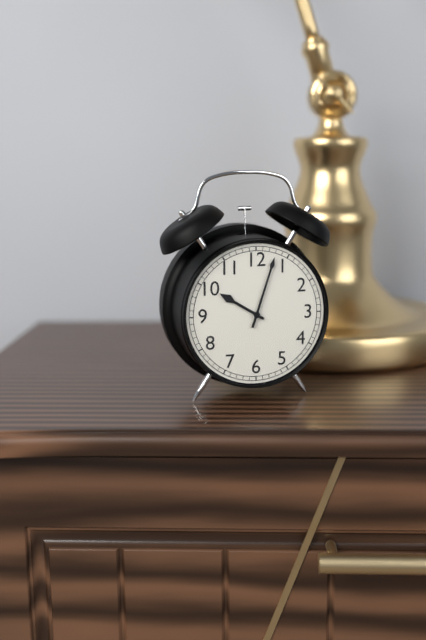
10:03
